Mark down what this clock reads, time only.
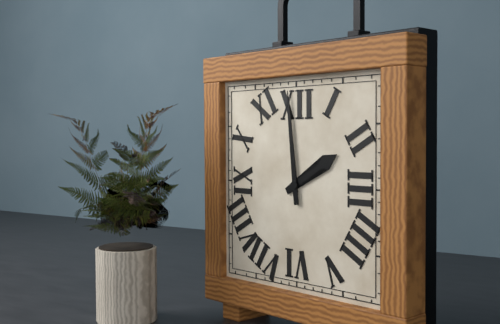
1:59
